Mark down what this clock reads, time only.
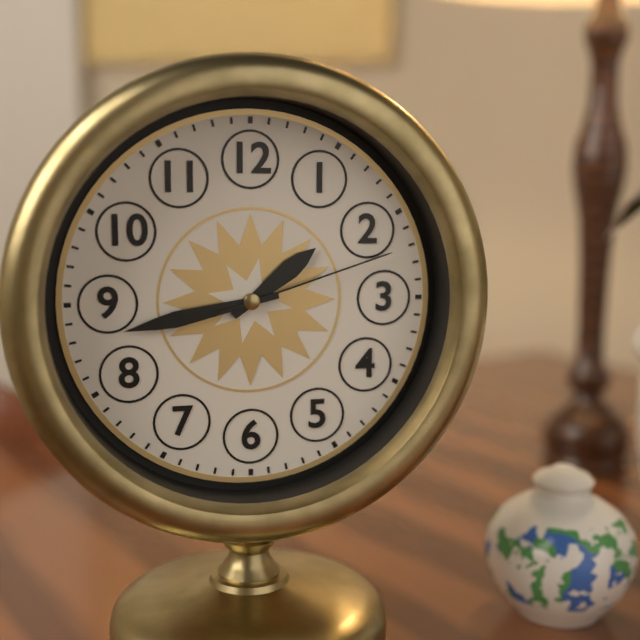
1:43:12
